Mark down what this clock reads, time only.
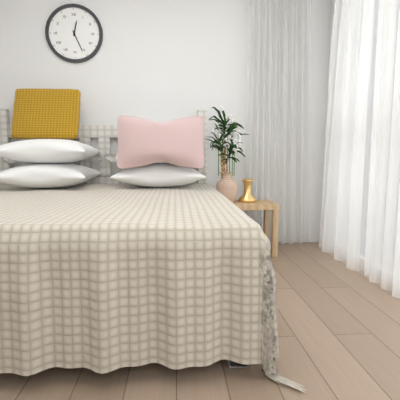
12:26
